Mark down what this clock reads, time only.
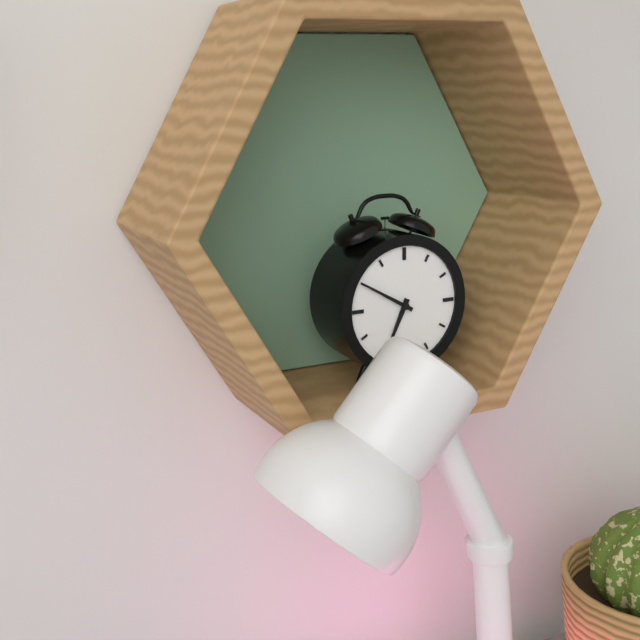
6:50
